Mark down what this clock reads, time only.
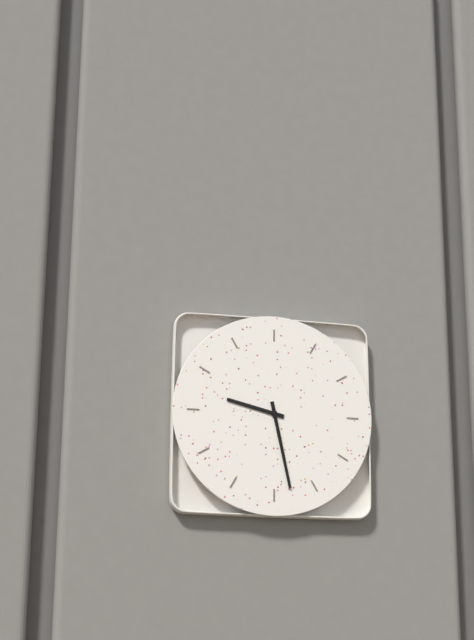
9:28
